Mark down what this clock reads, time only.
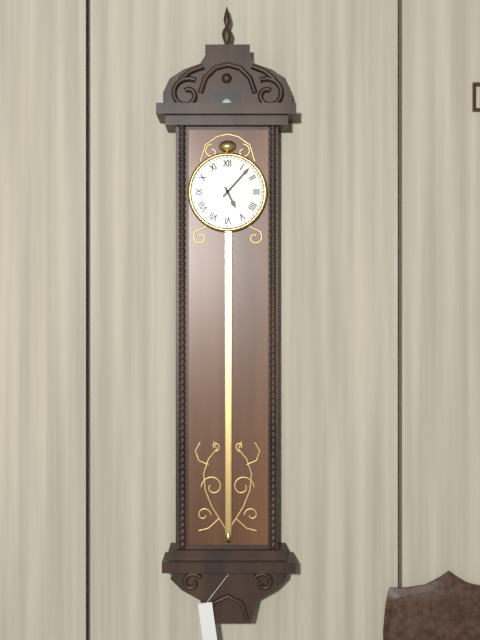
5:07
